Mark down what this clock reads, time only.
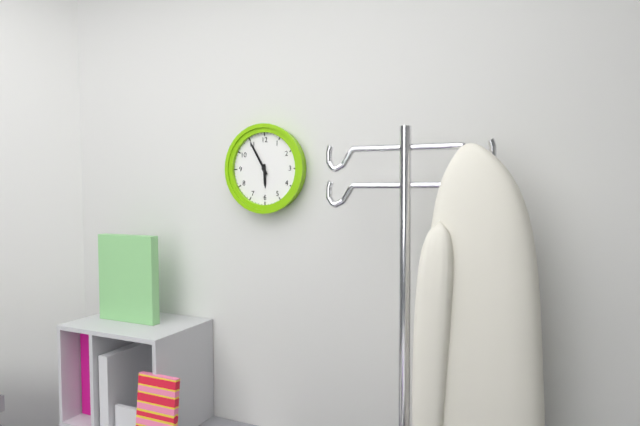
5:55
